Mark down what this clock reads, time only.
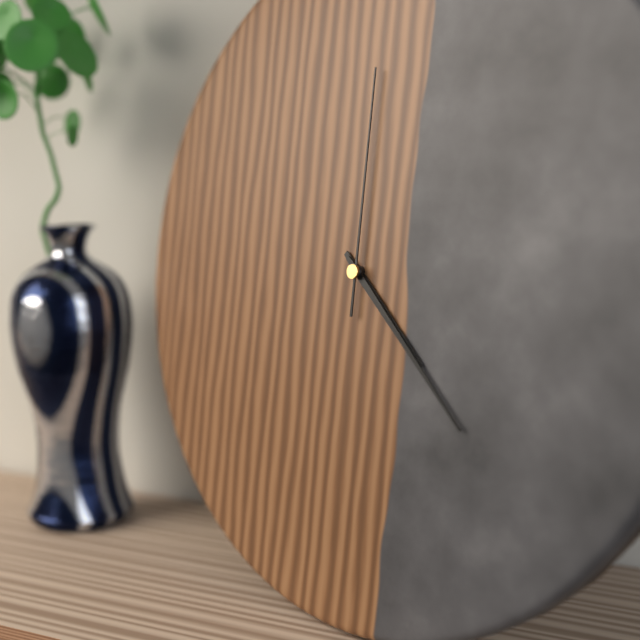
4:22:00
